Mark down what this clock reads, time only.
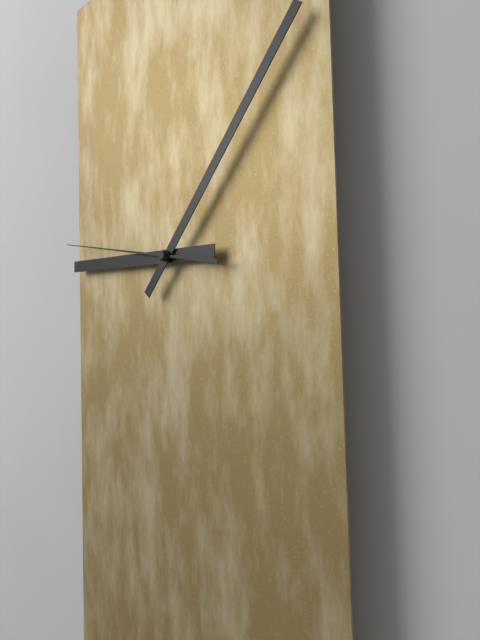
9:07:47
